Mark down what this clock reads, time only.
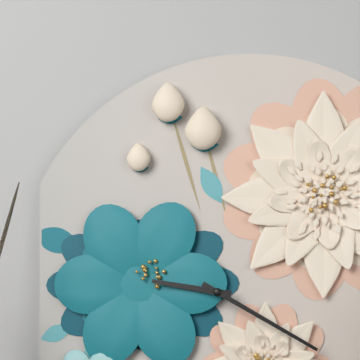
9:20
